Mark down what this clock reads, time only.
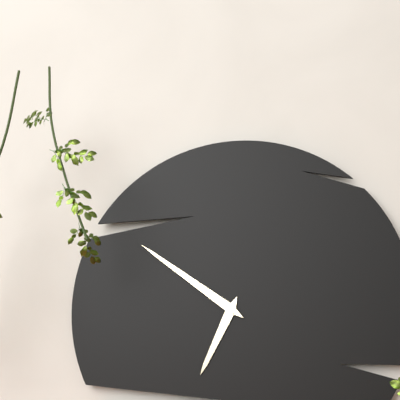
6:51
